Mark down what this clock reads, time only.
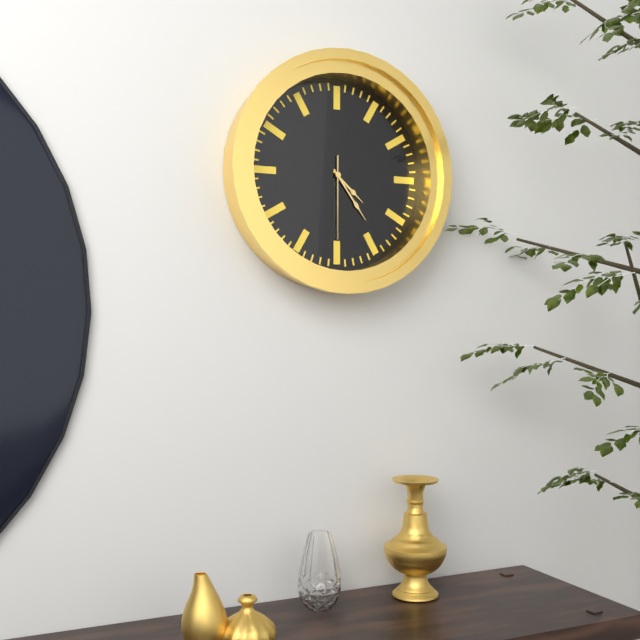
4:24:30
